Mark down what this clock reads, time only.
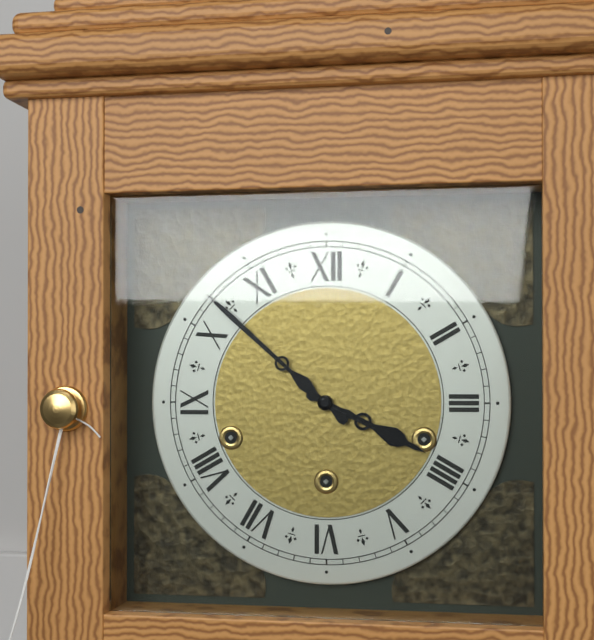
3:52
